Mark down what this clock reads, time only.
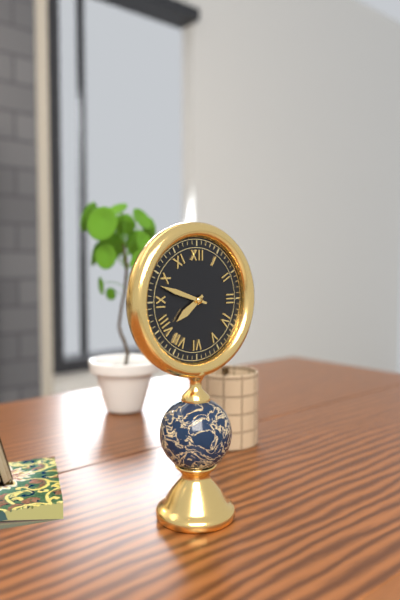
7:48
